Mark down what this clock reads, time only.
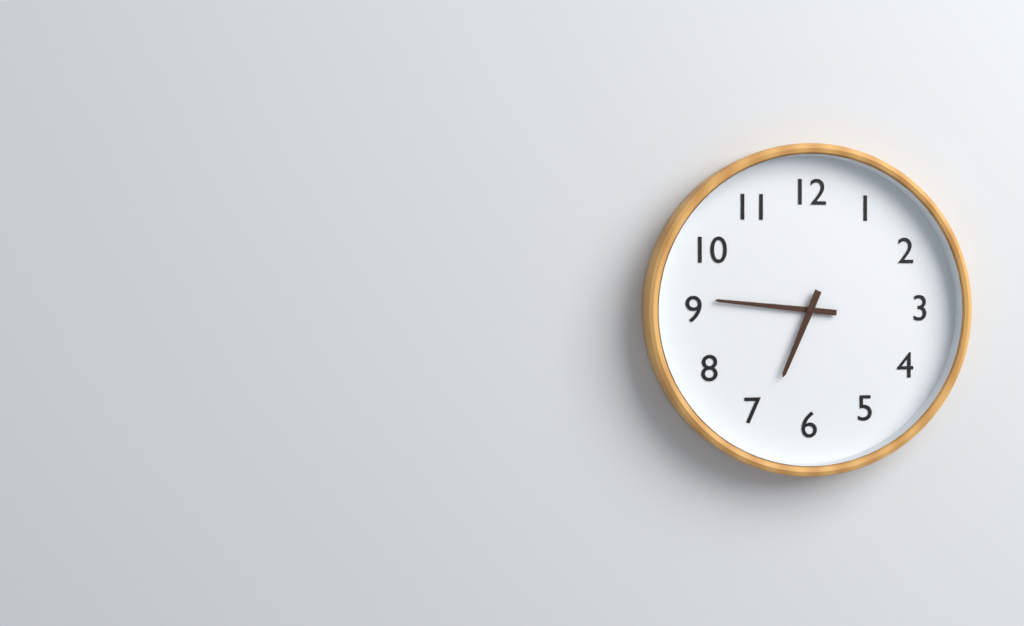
6:46
